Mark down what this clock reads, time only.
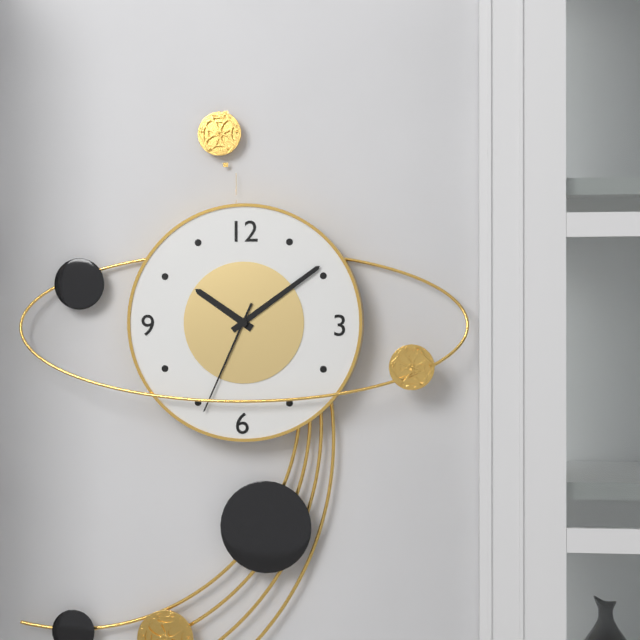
10:09:34
